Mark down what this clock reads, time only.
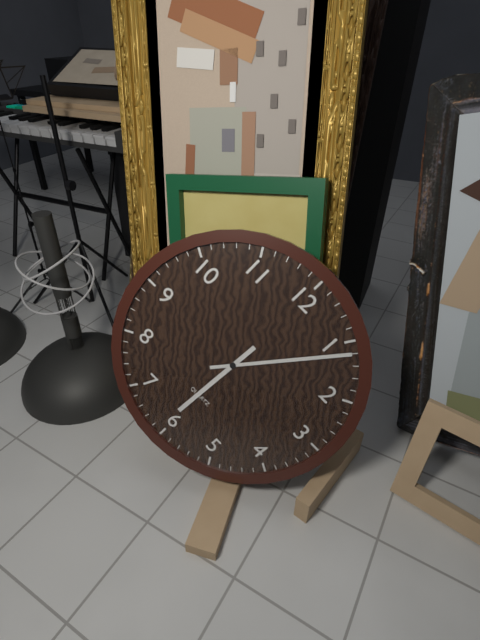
6:06
